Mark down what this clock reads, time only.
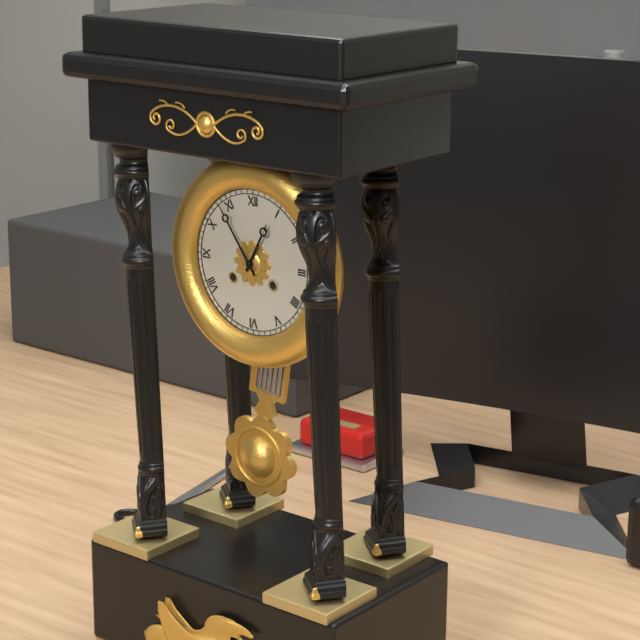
12:54
